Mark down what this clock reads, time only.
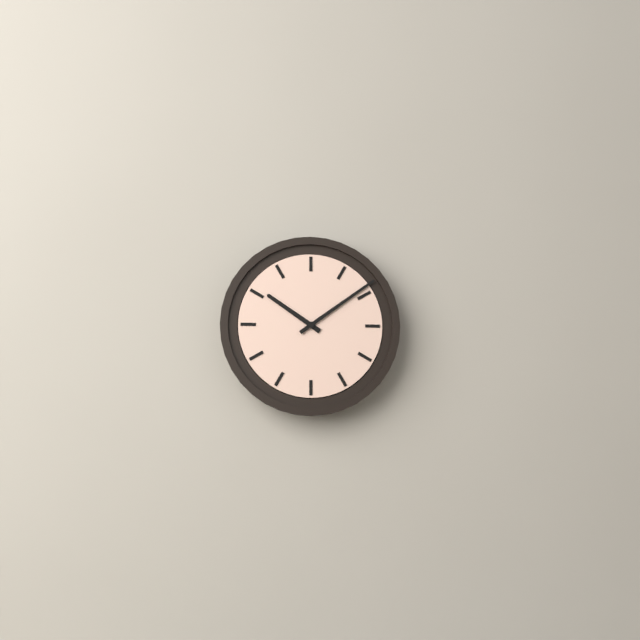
10:09
